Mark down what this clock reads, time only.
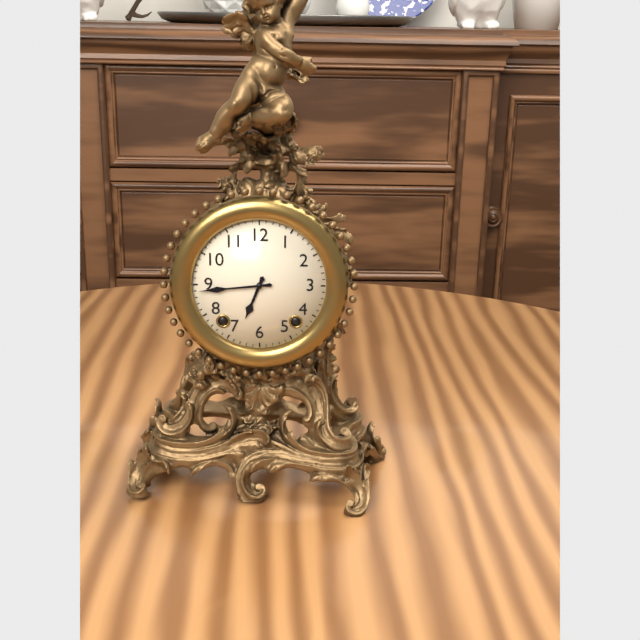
6:44
